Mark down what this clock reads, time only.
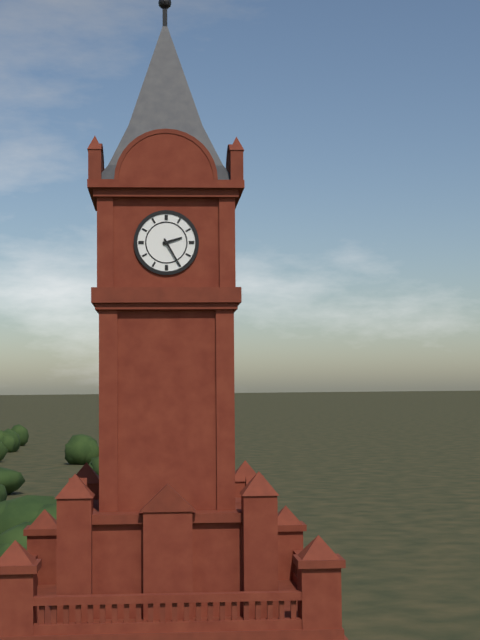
2:25
